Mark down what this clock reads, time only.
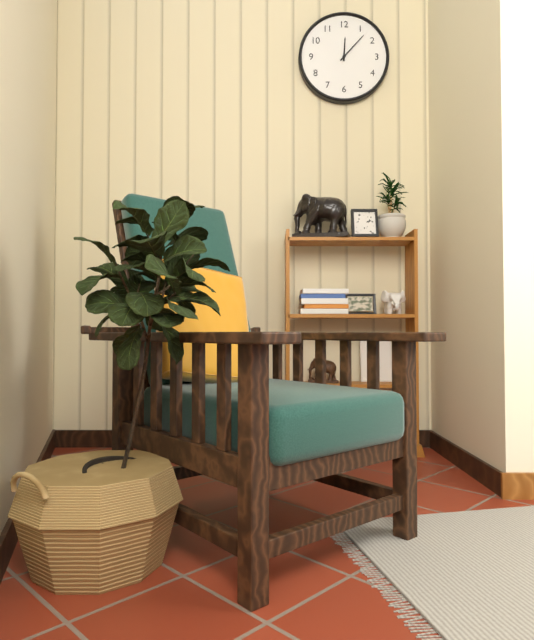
12:07
